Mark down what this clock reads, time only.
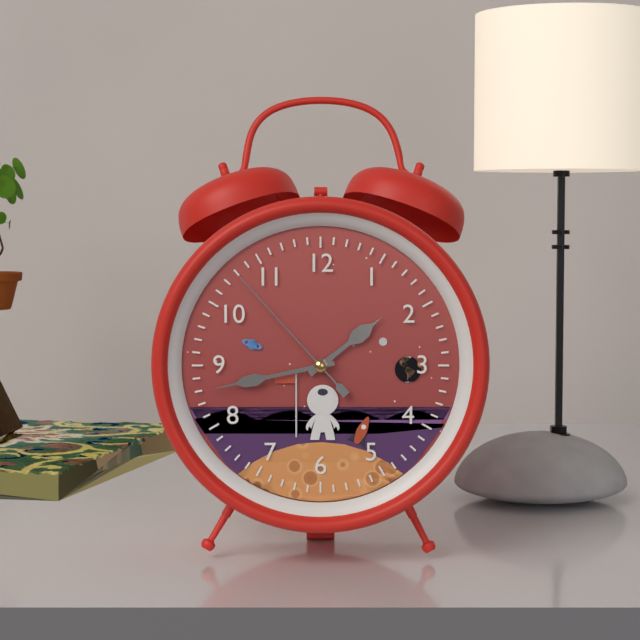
1:43:53
